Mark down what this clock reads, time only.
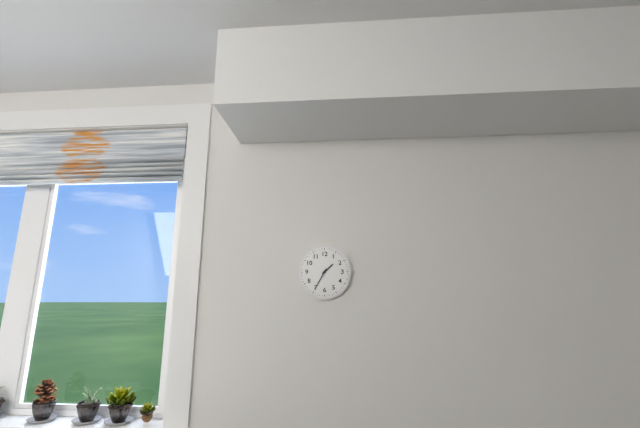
1:35
